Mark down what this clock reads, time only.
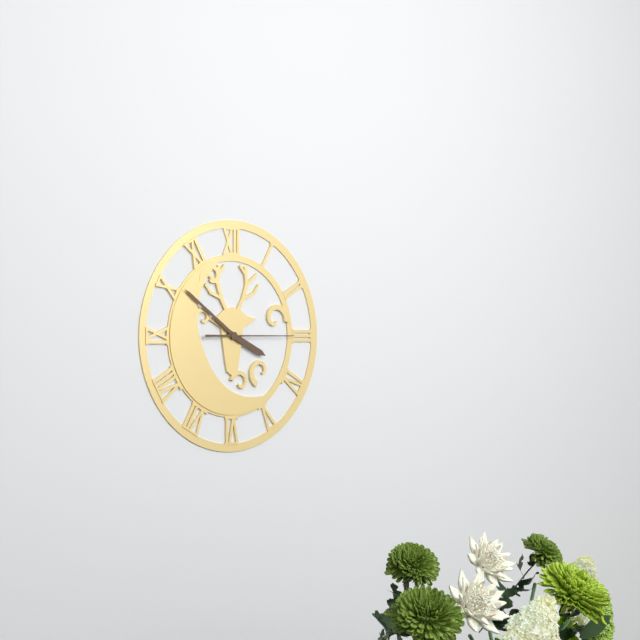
3:51:15
